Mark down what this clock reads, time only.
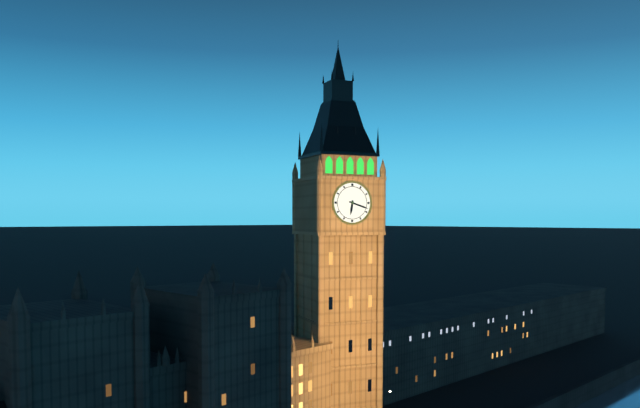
6:18
